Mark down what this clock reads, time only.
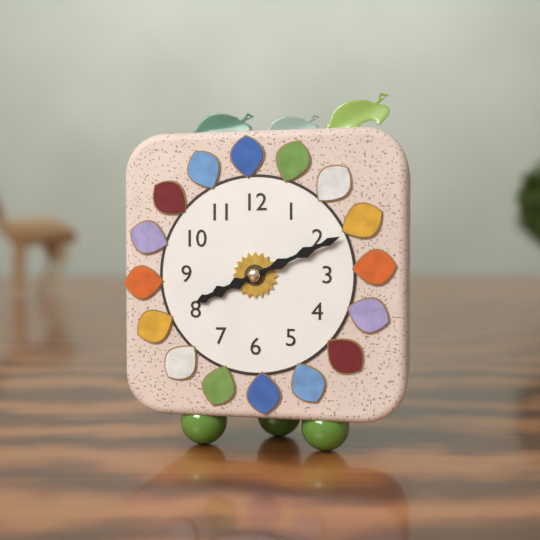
8:11
